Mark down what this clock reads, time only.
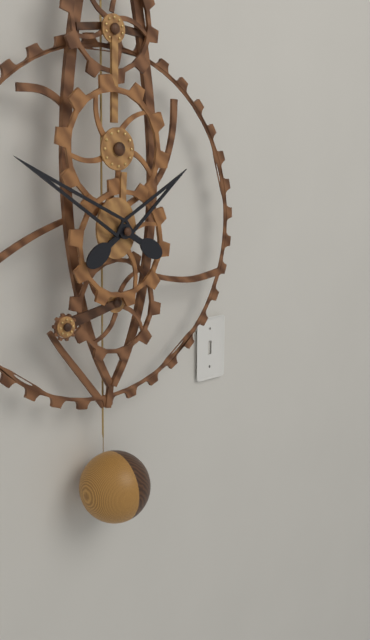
1:50
